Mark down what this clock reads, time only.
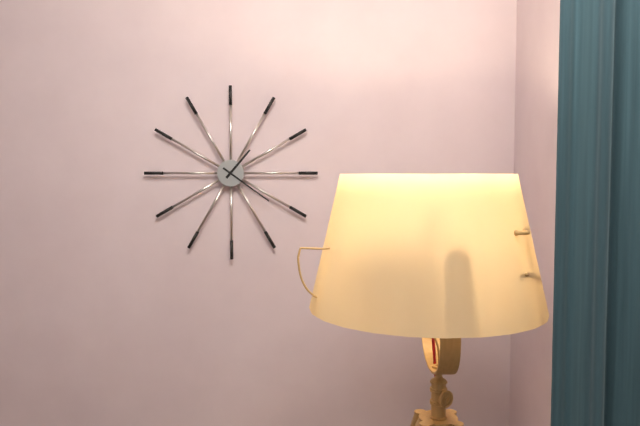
1:21
